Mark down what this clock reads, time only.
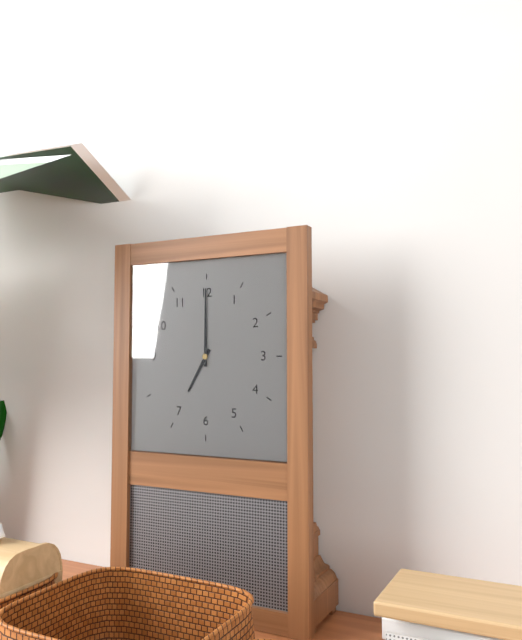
7:00
